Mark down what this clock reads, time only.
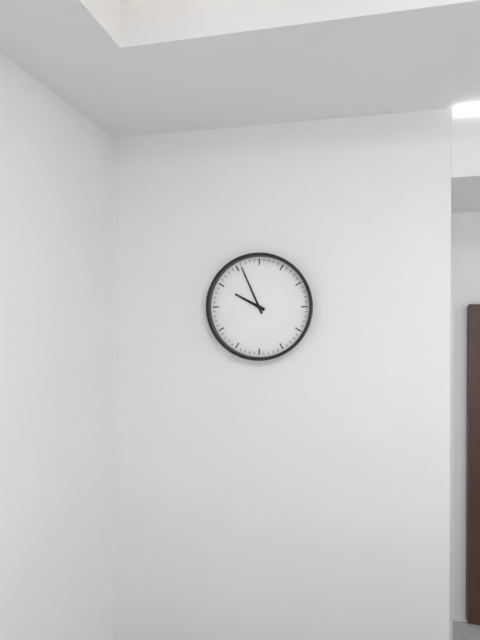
9:56
